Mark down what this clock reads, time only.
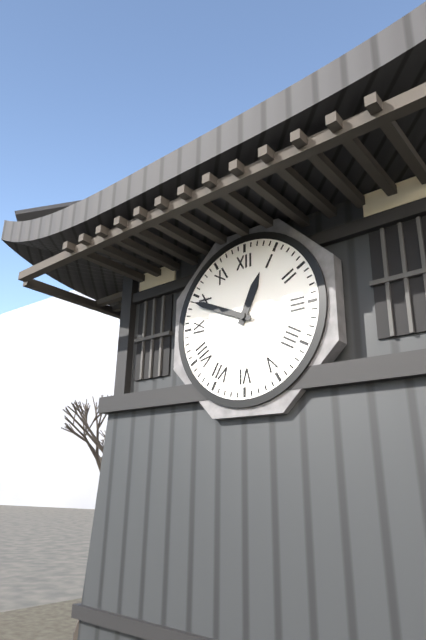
12:49
